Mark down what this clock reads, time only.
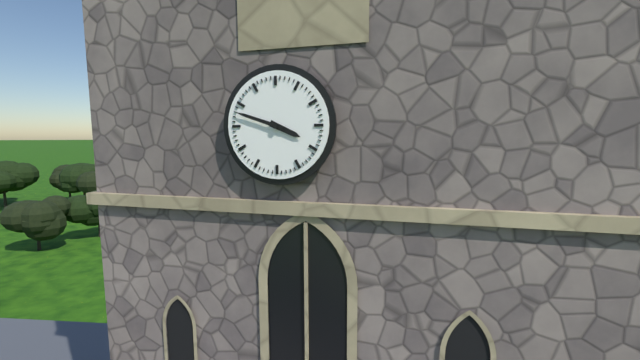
3:48
